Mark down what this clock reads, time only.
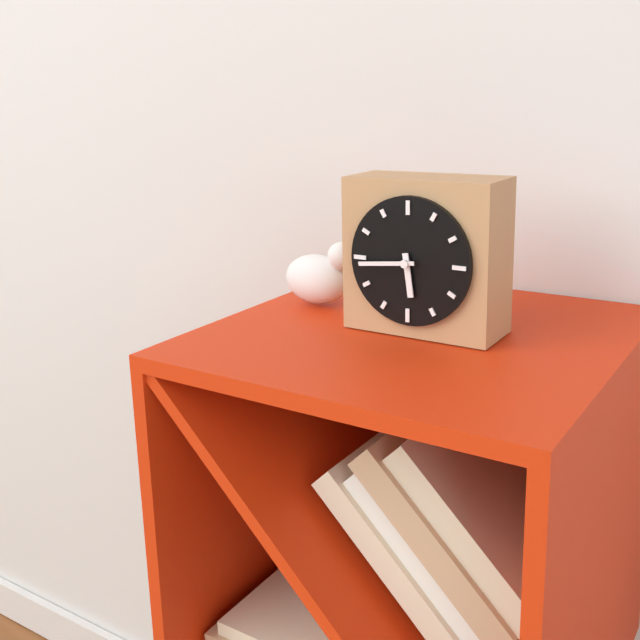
5:44
